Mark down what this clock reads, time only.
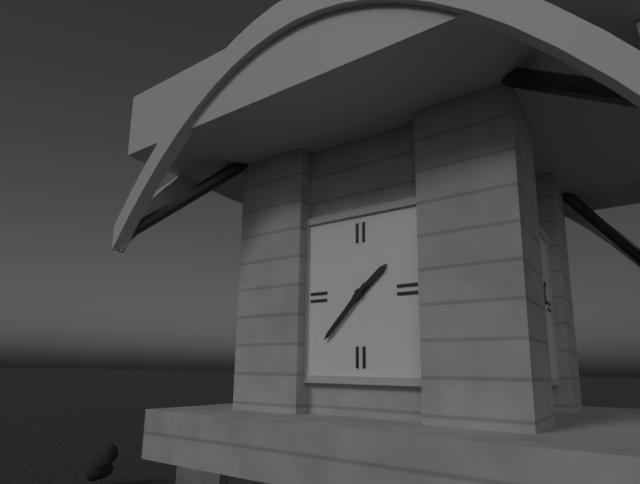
1:37
